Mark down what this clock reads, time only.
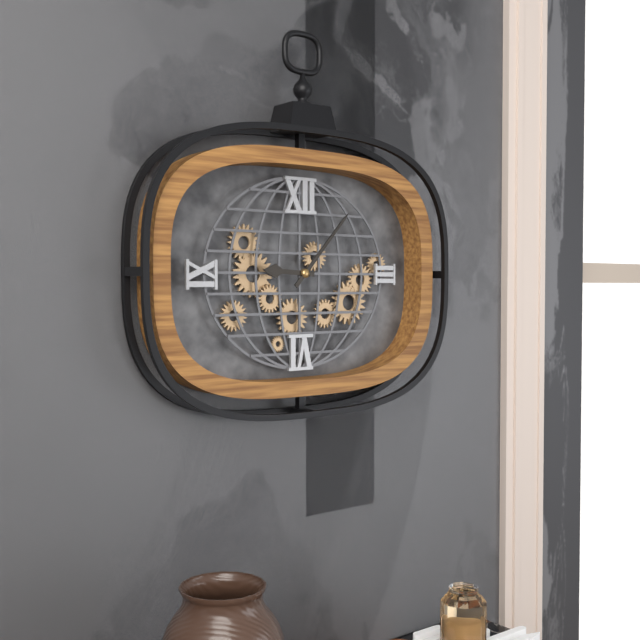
9:07
